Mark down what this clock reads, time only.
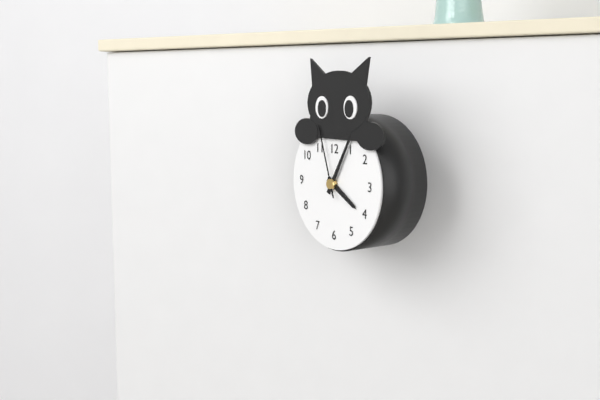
4:05:57
